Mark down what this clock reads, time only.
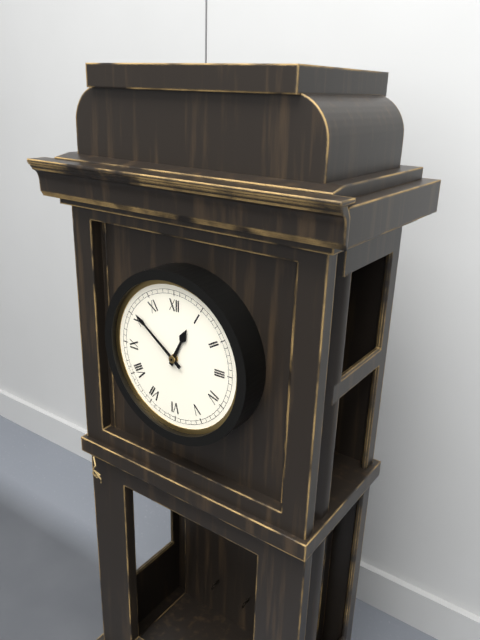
12:51
